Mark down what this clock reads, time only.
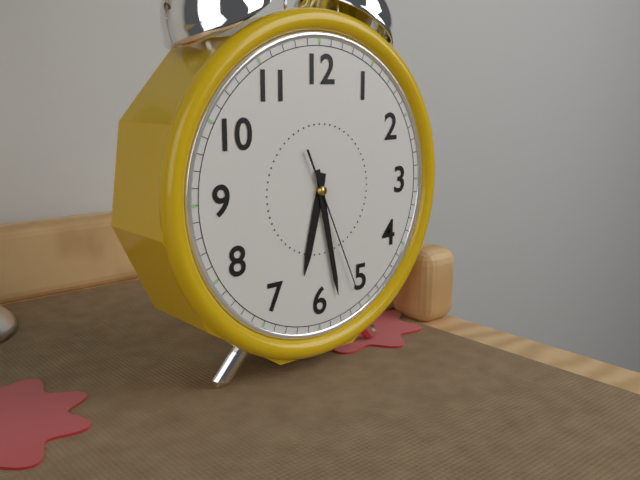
6:28:26
